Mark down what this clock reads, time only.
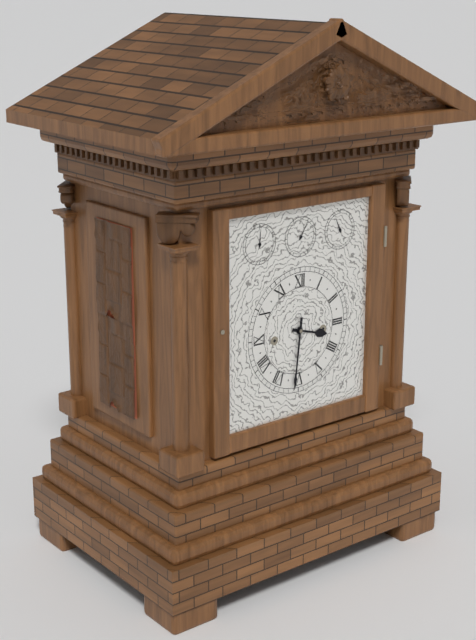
3:31
